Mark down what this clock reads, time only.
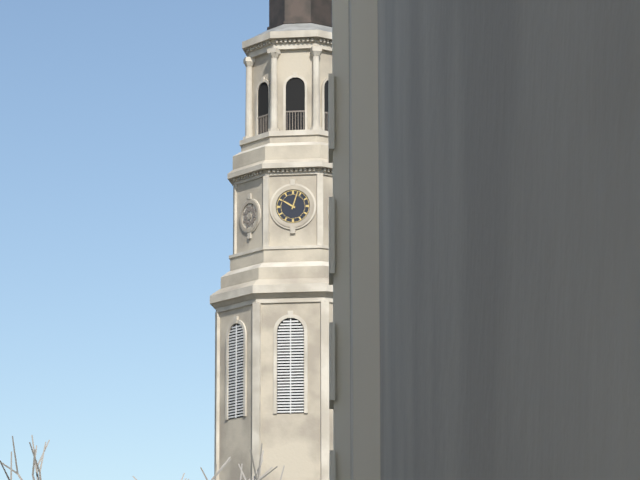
10:03
